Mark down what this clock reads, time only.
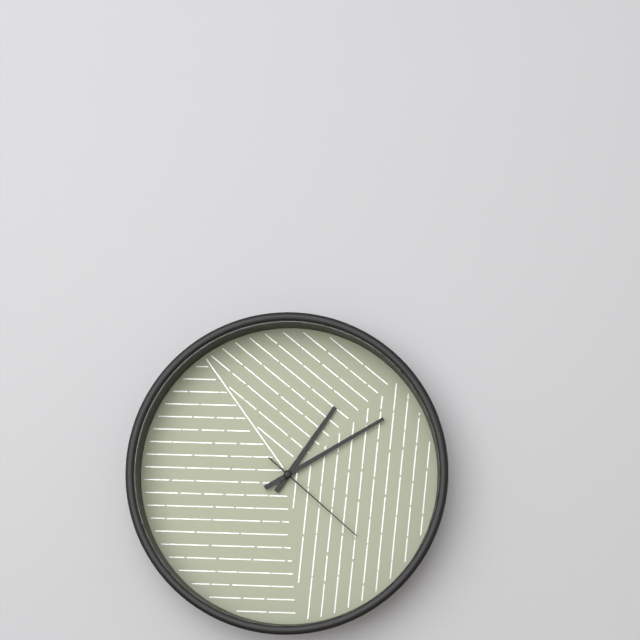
1:10:22
